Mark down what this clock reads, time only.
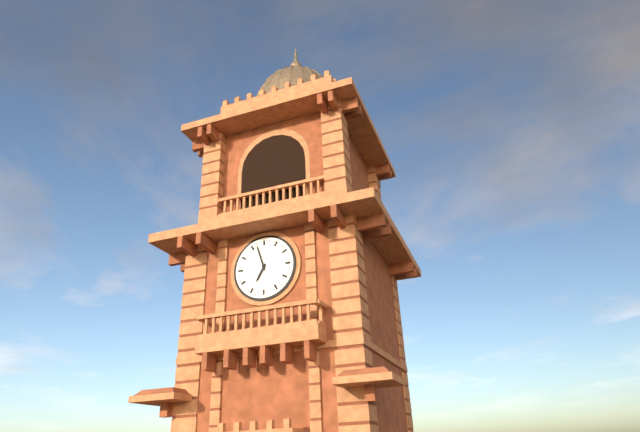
6:57
